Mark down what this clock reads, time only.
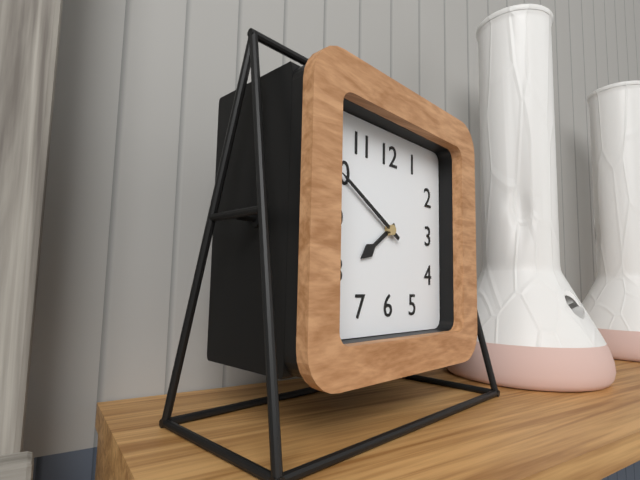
7:50
